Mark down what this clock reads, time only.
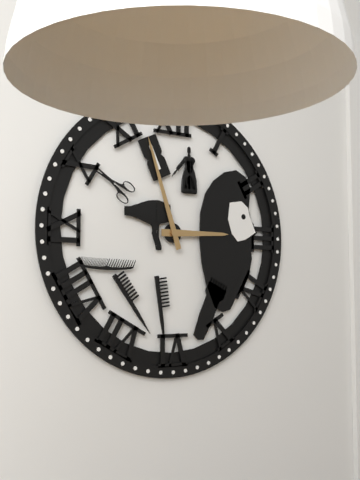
2:57
